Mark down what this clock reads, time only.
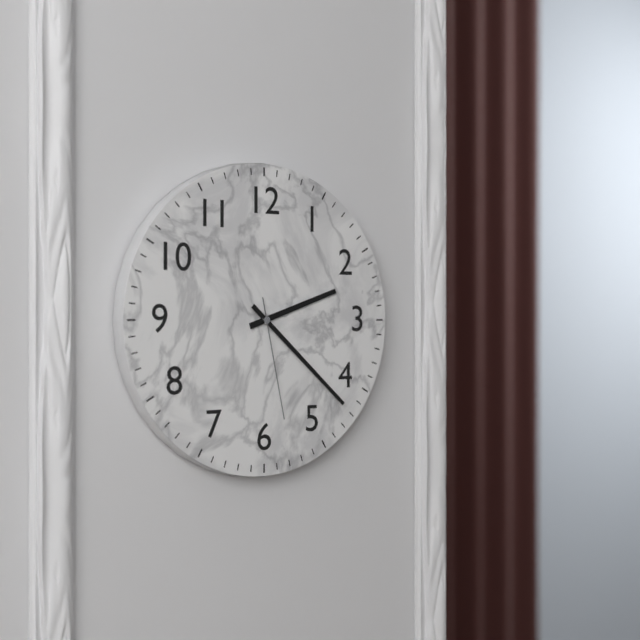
2:22:28
